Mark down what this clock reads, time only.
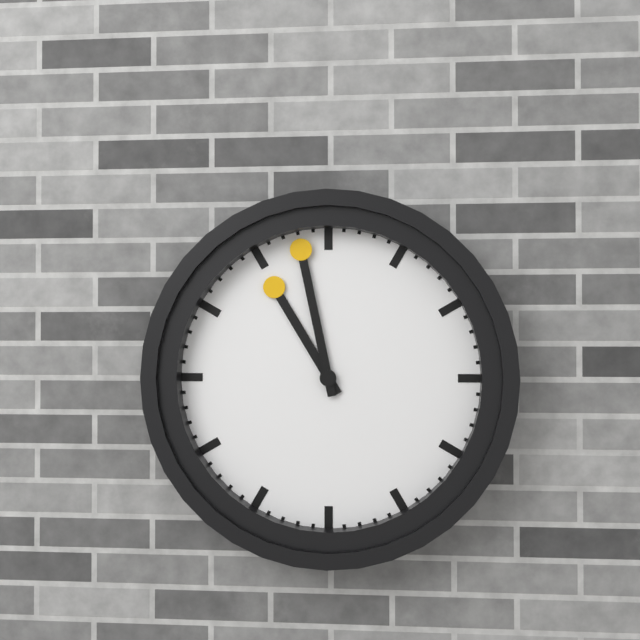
10:58
